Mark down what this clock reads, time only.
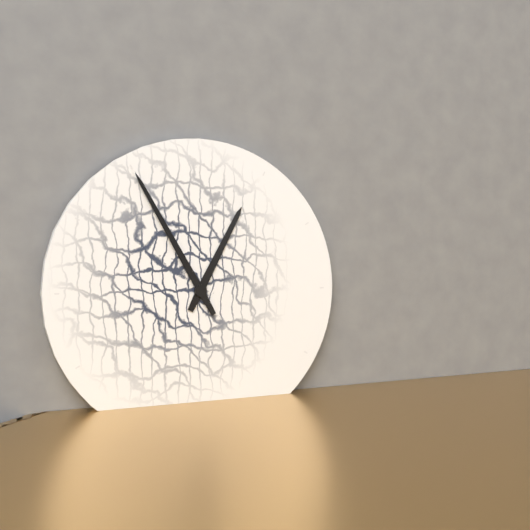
12:55
